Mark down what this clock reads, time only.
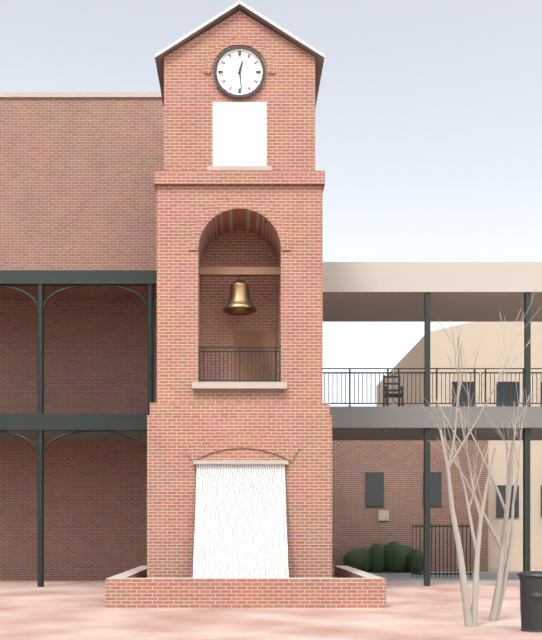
12:29
